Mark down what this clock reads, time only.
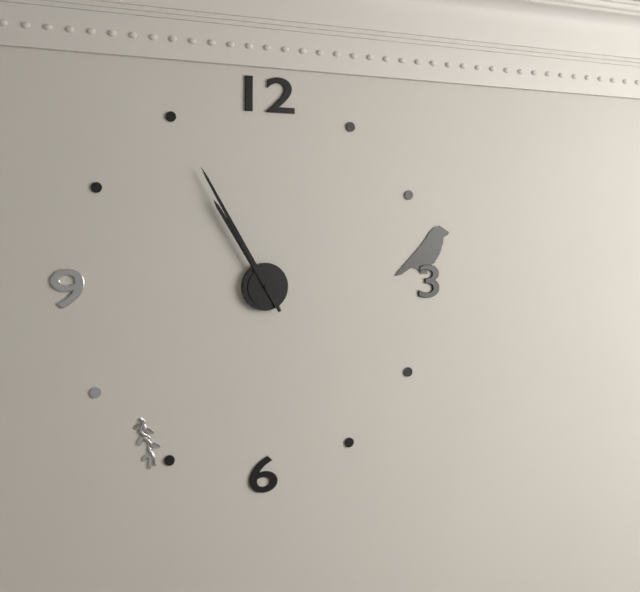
10:55
